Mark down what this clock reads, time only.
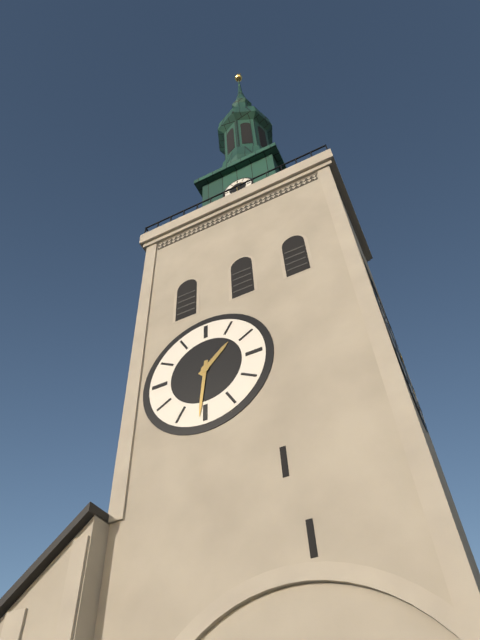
1:31
